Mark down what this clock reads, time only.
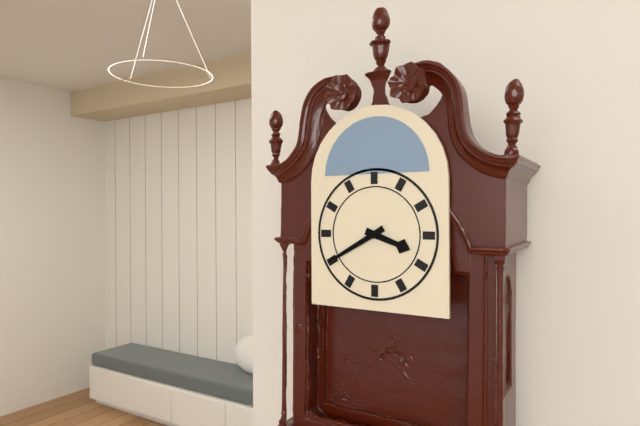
3:40
